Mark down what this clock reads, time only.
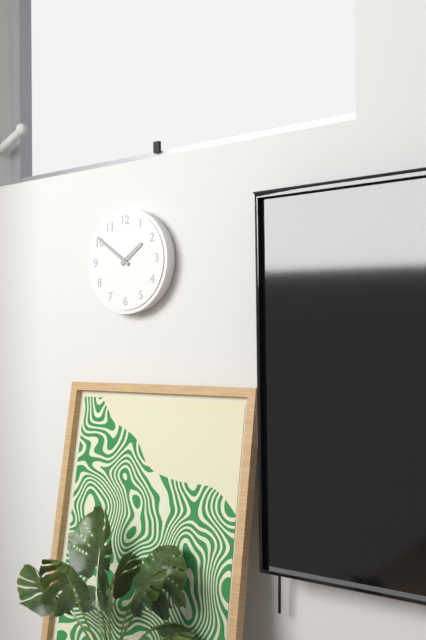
1:51
